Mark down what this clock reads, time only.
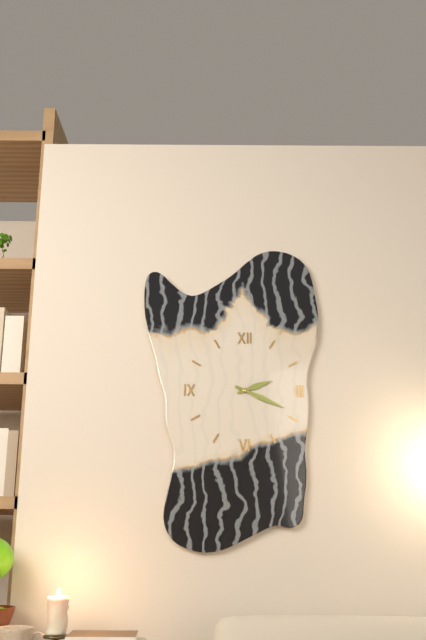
2:19
